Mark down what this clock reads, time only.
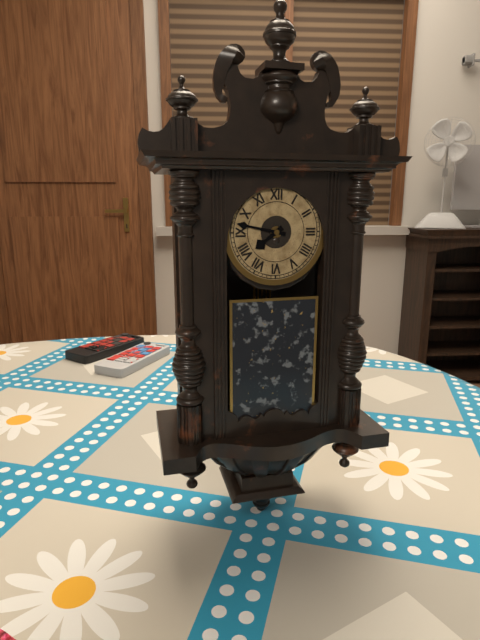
7:47
